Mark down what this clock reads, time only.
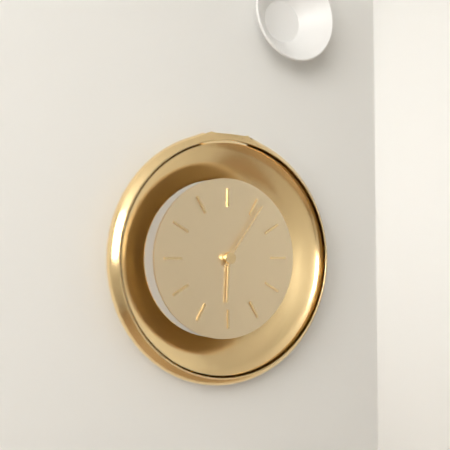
6:06
